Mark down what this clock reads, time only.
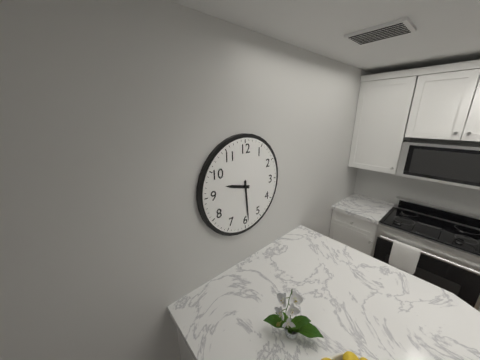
9:29
